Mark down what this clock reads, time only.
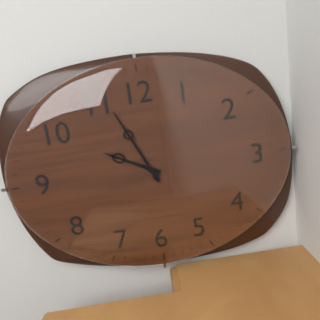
9:56
